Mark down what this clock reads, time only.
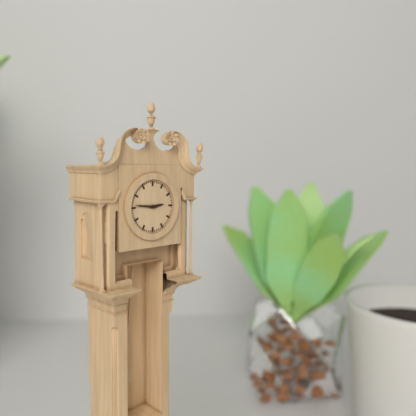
2:46
